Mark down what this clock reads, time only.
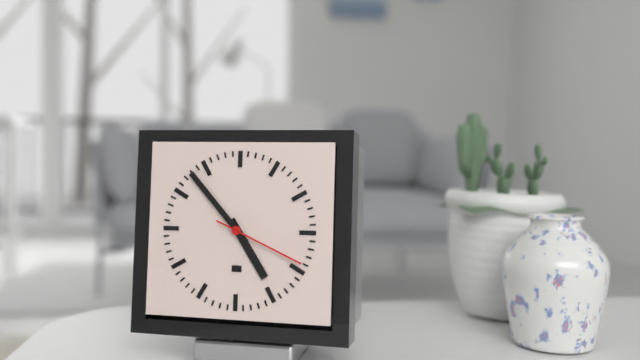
4:53:19
